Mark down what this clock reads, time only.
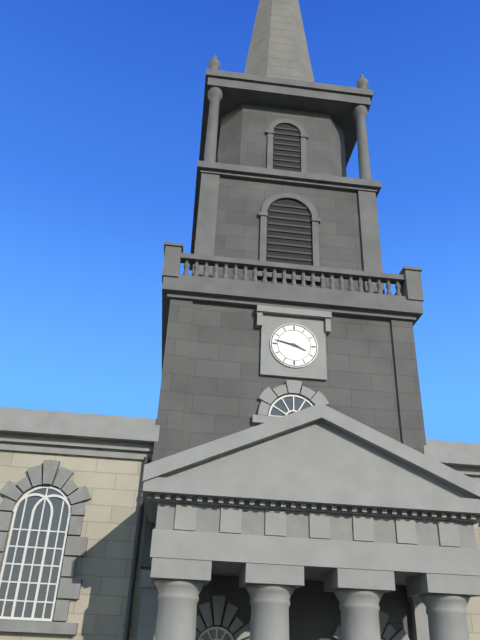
3:47
